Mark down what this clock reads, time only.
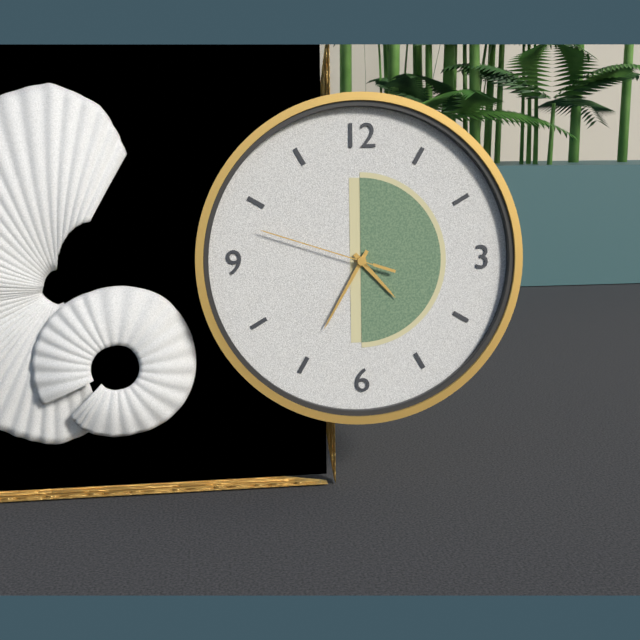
4:35:48
